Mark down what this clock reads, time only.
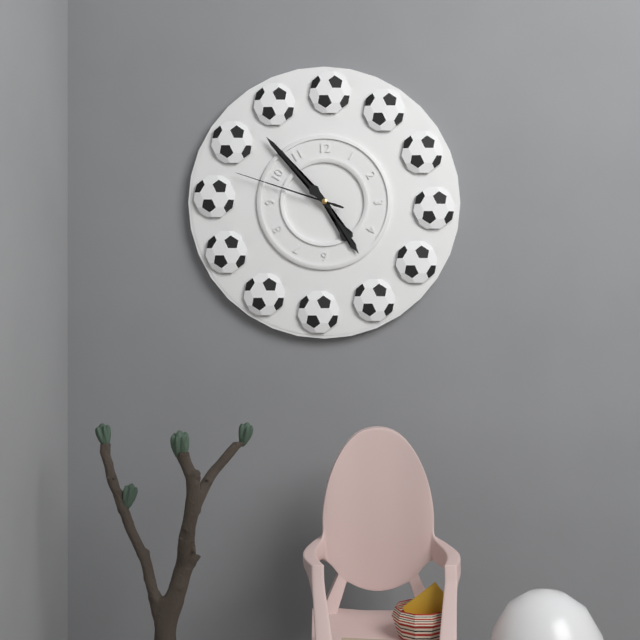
4:53:48
